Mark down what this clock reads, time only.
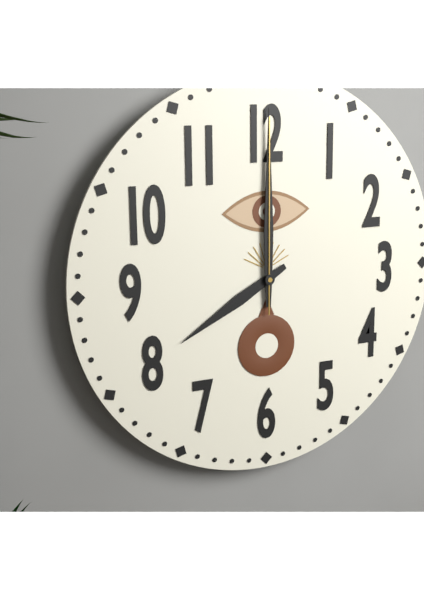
8:00:00
